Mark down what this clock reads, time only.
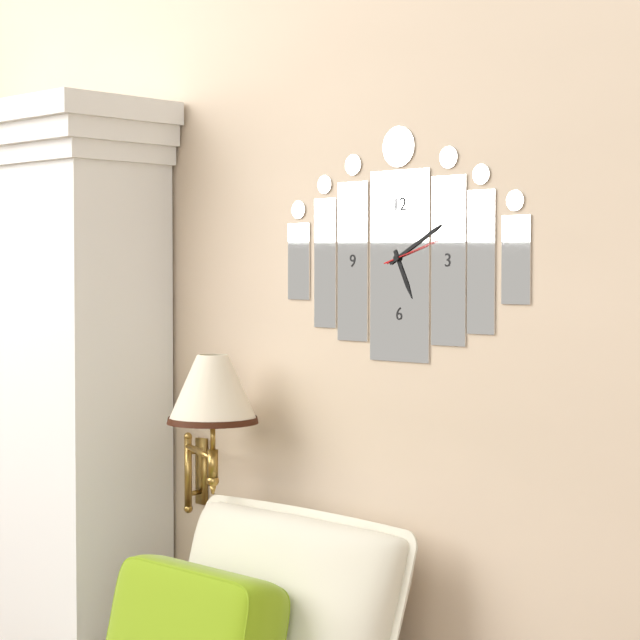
5:10:12
